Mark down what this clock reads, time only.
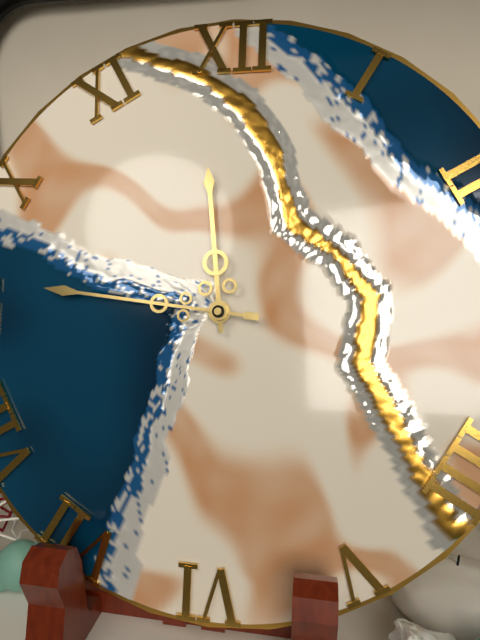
11:46
